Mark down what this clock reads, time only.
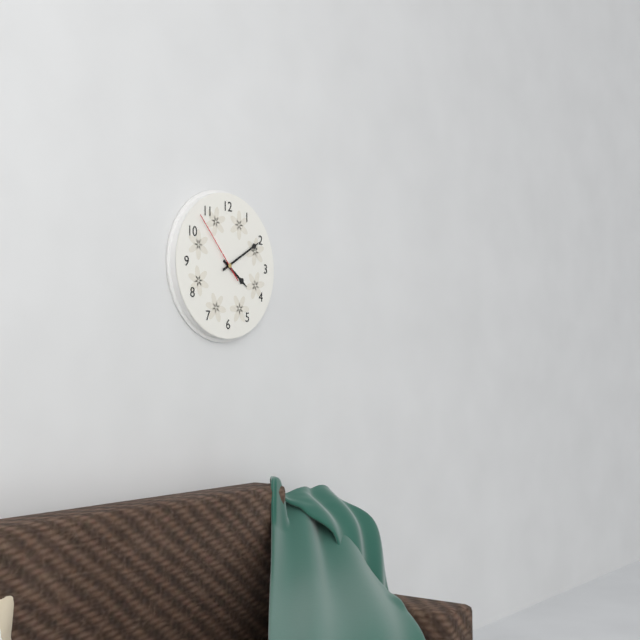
4:10:53
